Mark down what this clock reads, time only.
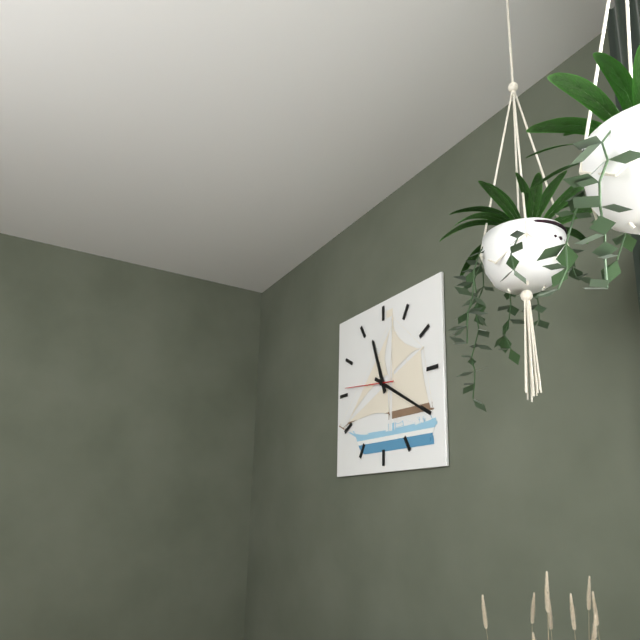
11:20
